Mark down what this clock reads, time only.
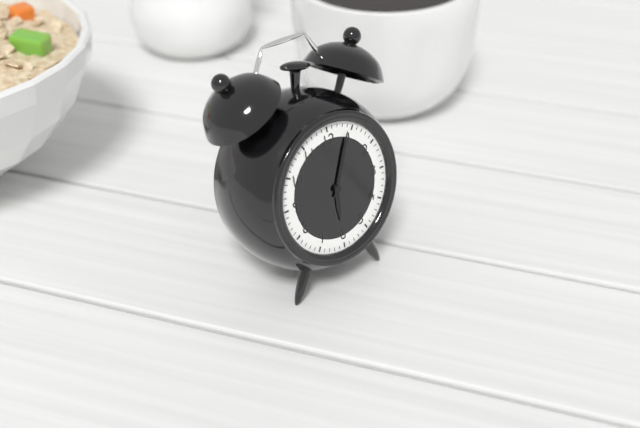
6:04
